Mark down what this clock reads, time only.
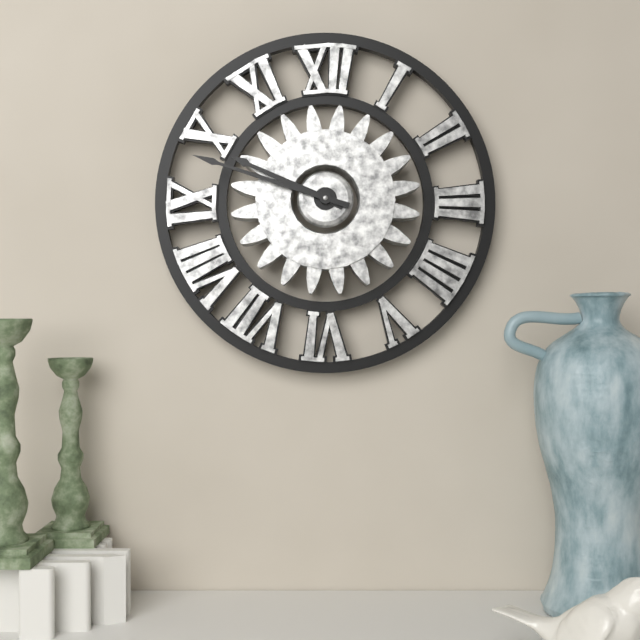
9:48
